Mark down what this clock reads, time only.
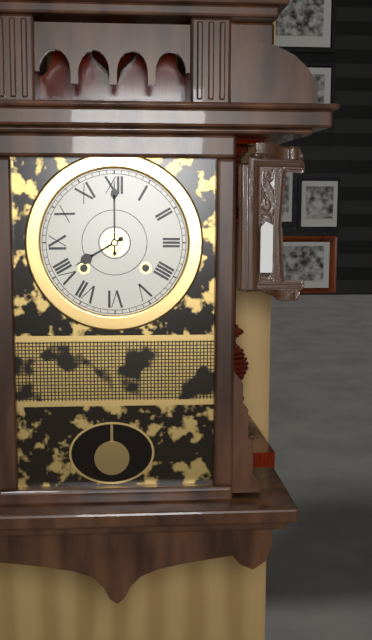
8:00
